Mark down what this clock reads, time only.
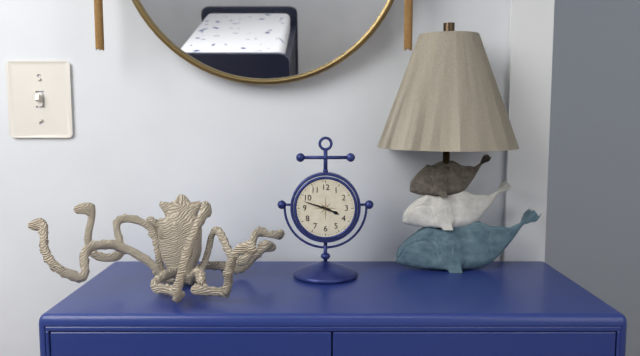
3:48
